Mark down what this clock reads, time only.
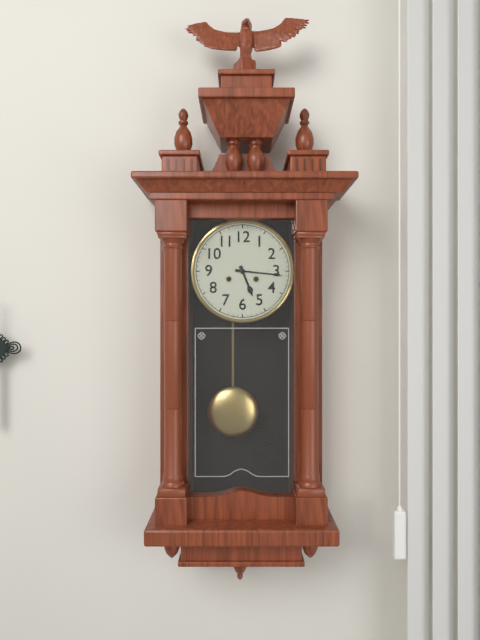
5:16
